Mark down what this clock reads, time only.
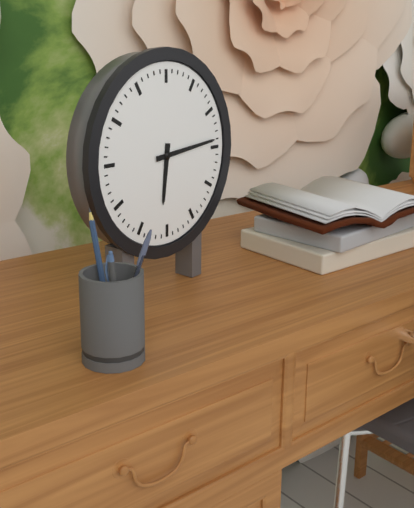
6:14
